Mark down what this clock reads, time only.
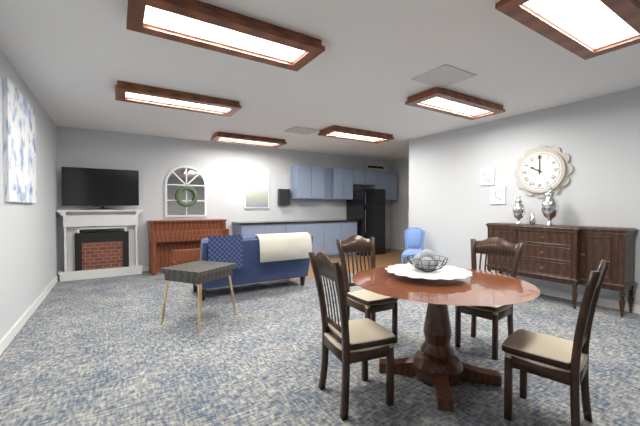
10:00
